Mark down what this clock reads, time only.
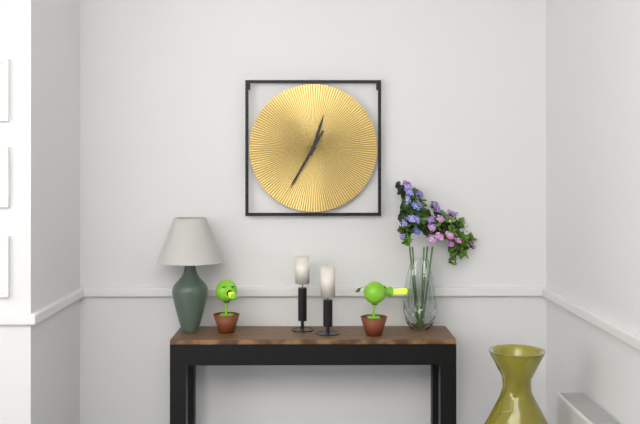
12:35
